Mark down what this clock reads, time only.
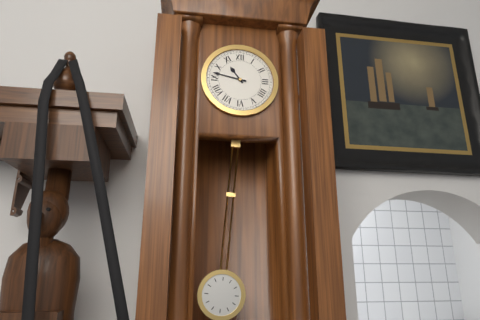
10:47
